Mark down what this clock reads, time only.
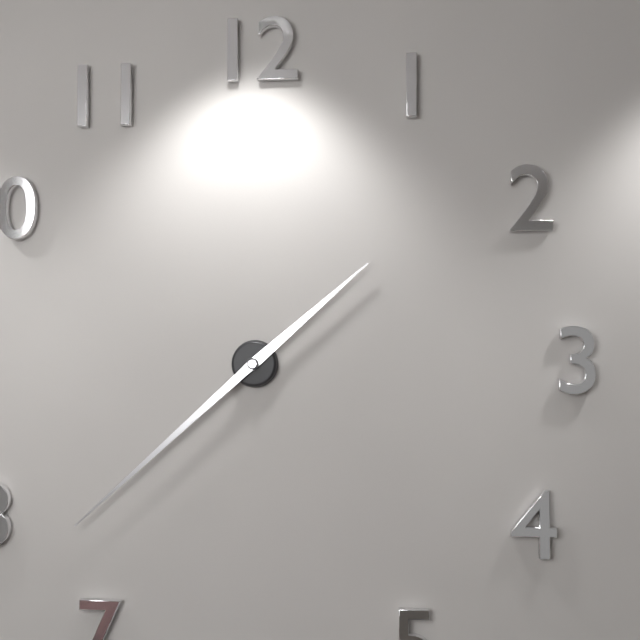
1:38
